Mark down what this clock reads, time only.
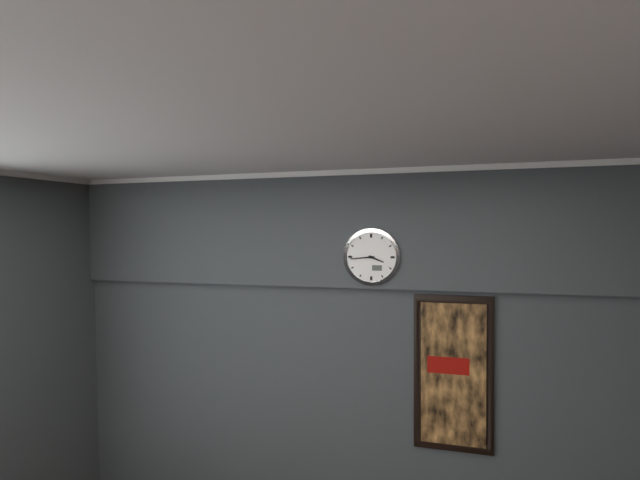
3:44
